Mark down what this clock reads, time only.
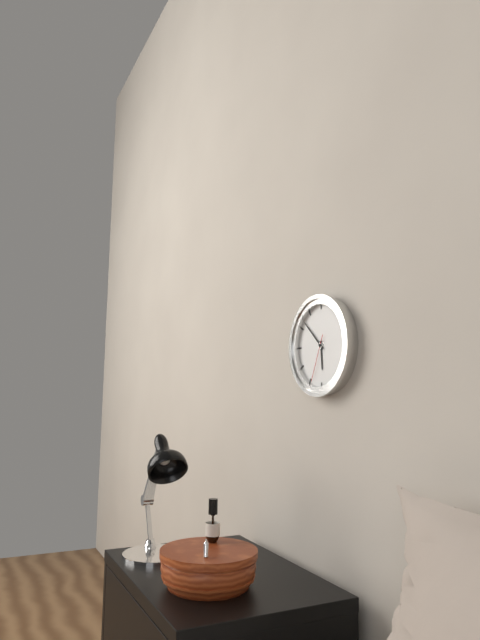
5:52
